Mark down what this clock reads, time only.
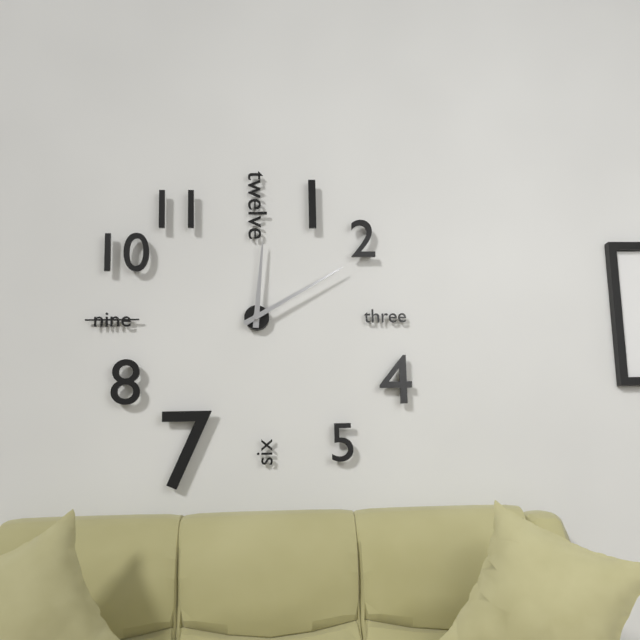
12:10
